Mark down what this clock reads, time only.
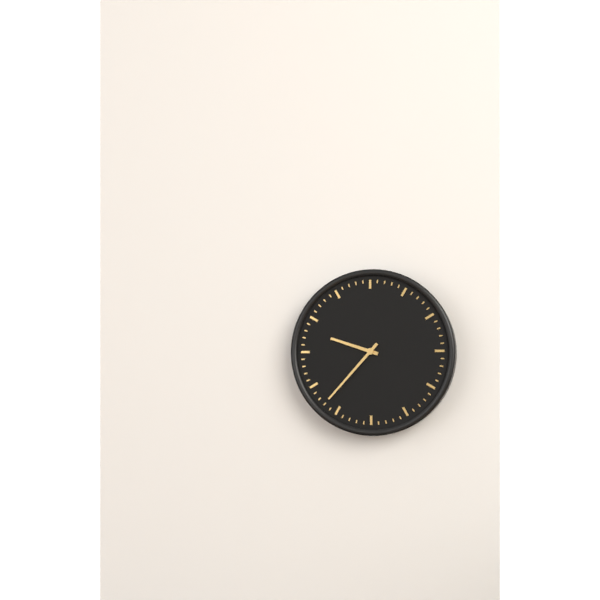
9:37
